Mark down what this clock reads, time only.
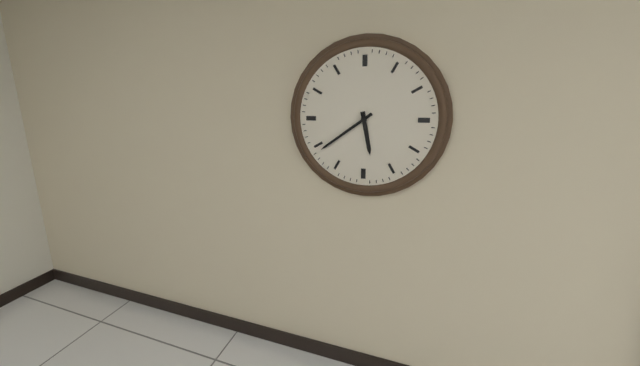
5:39
